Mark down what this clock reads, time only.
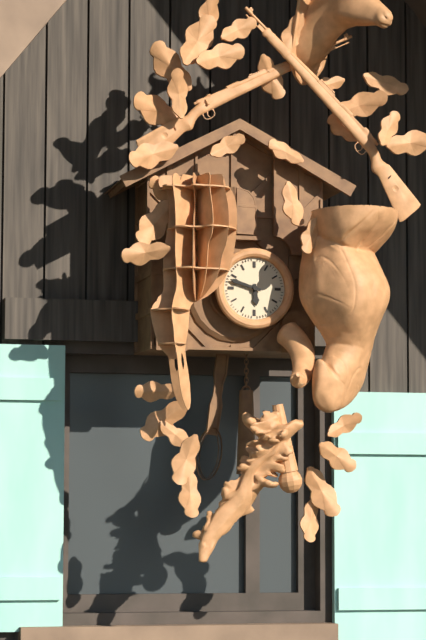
5:48
